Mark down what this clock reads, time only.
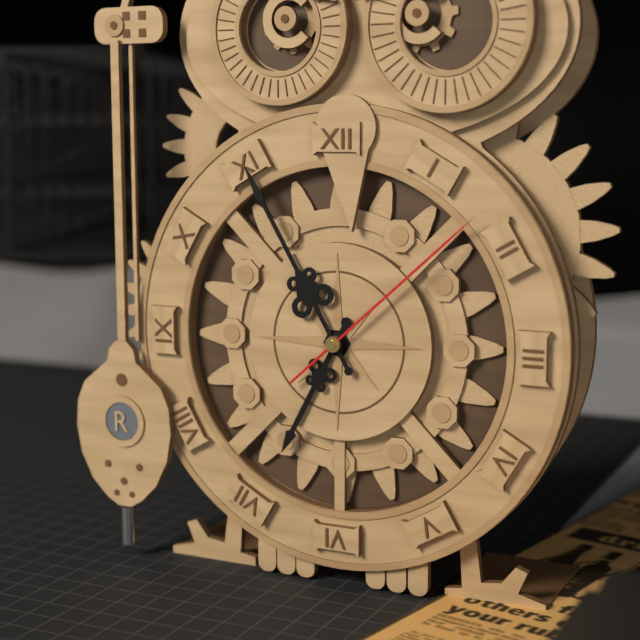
6:55:08
